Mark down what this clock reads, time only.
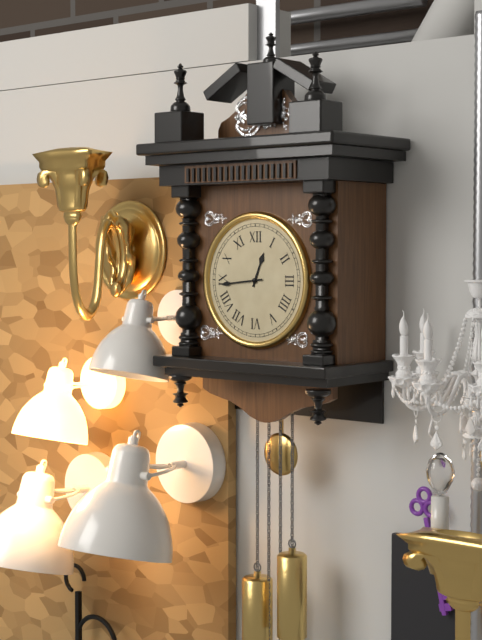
12:44
